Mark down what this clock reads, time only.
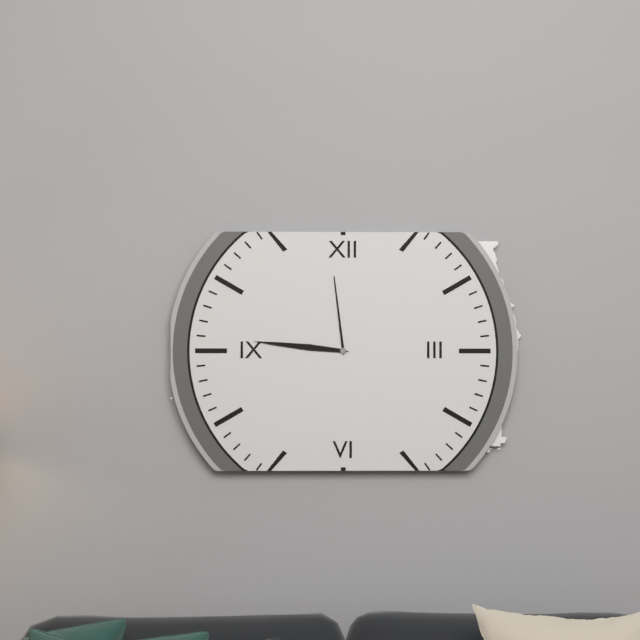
11:46
